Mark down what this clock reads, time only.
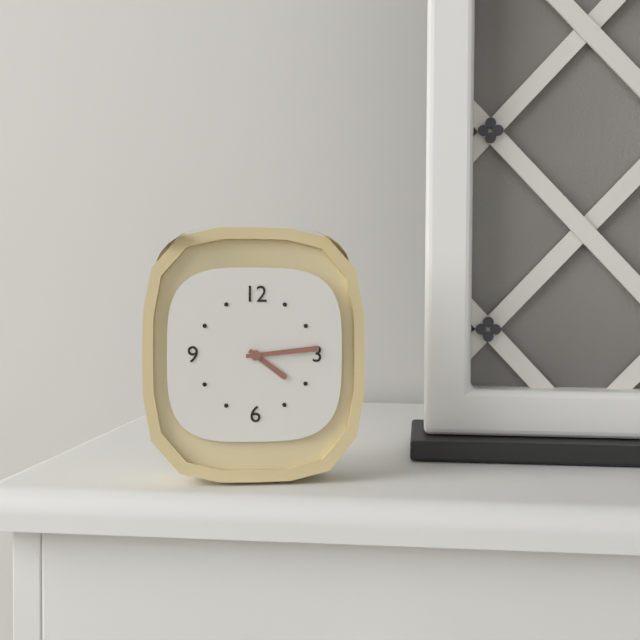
4:14
